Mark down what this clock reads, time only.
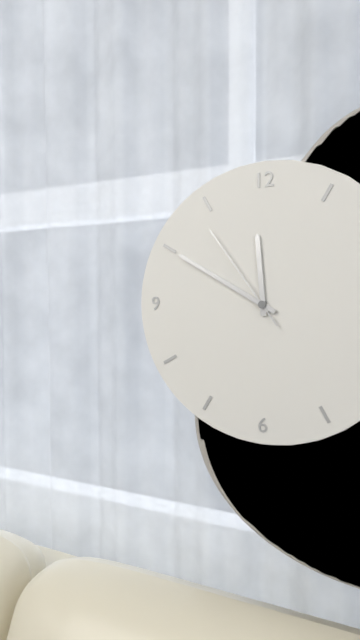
11:50:54
